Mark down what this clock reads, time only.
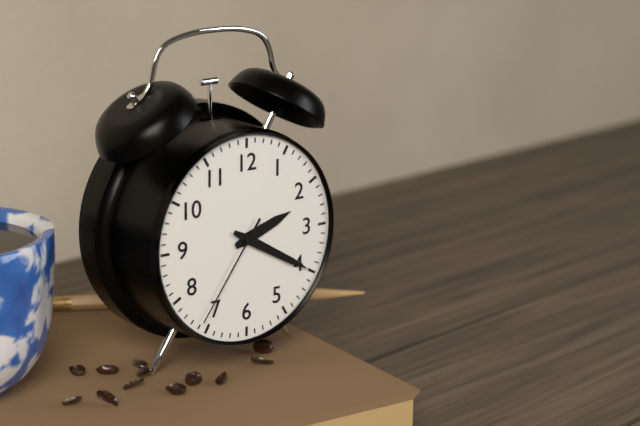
2:20:36
